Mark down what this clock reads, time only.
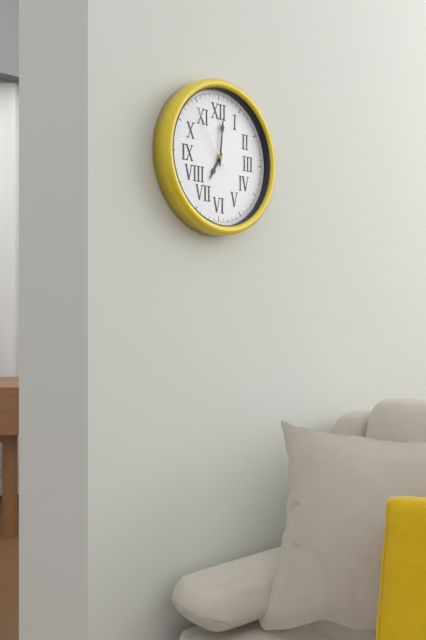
7:01:54
